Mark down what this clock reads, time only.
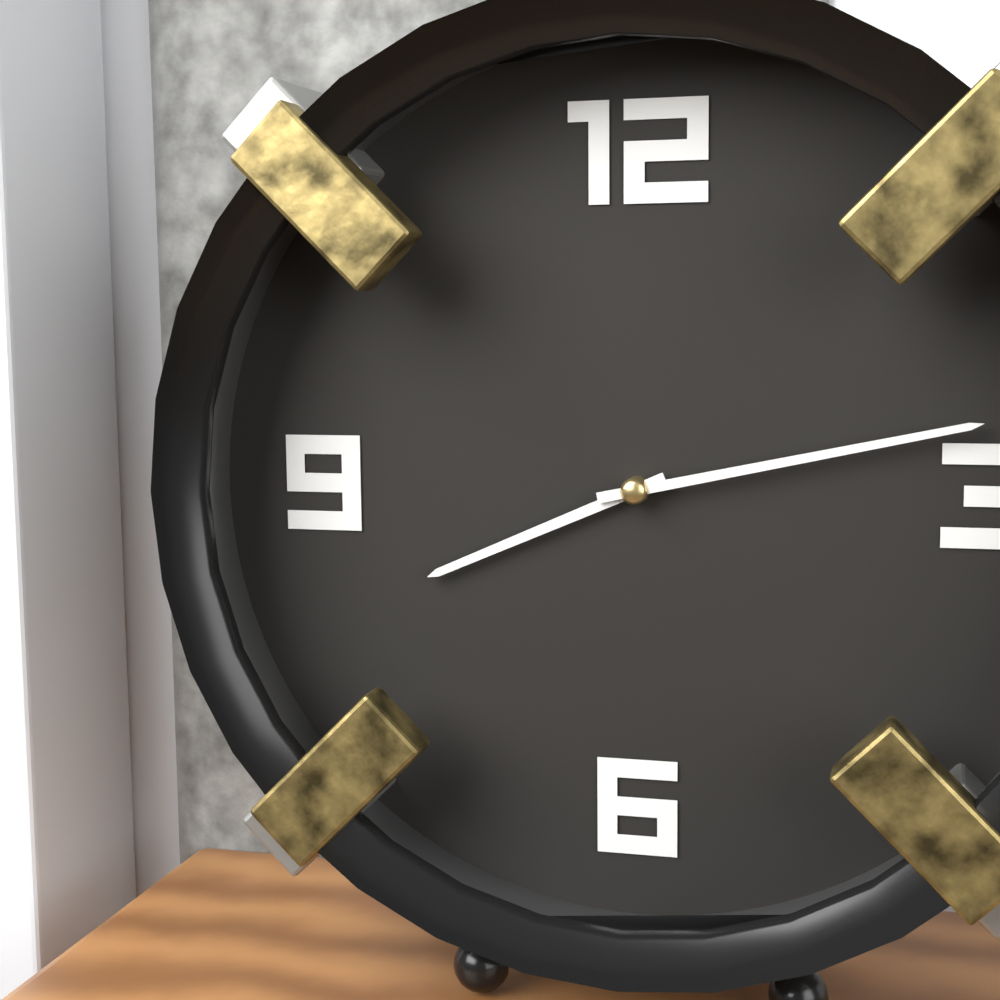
8:13
